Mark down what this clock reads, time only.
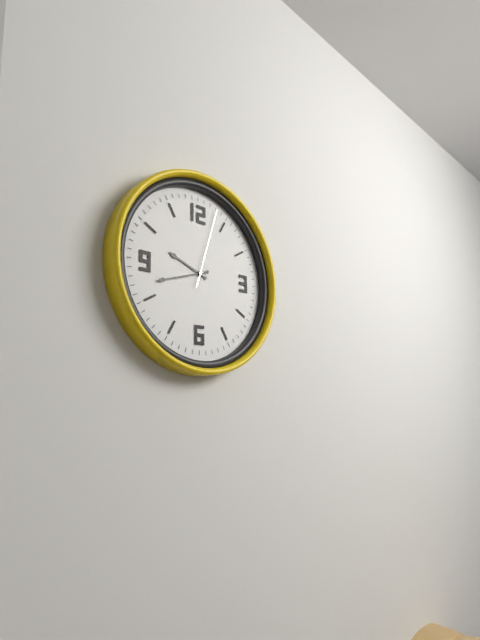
9:42:03
